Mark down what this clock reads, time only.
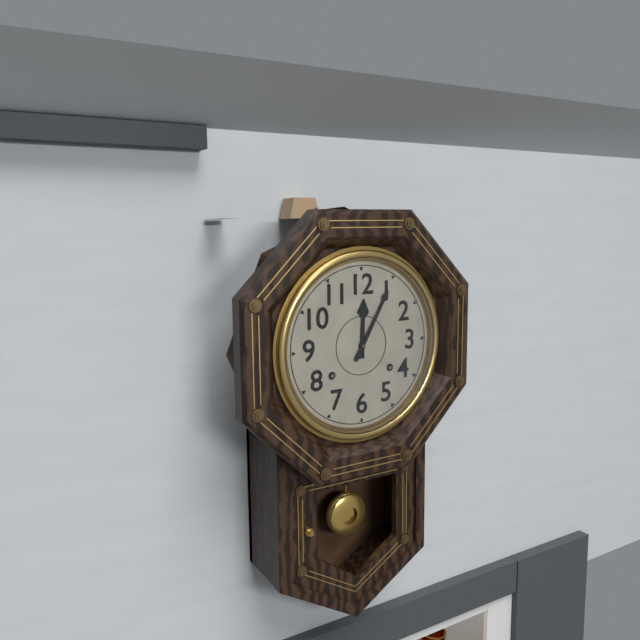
12:05
